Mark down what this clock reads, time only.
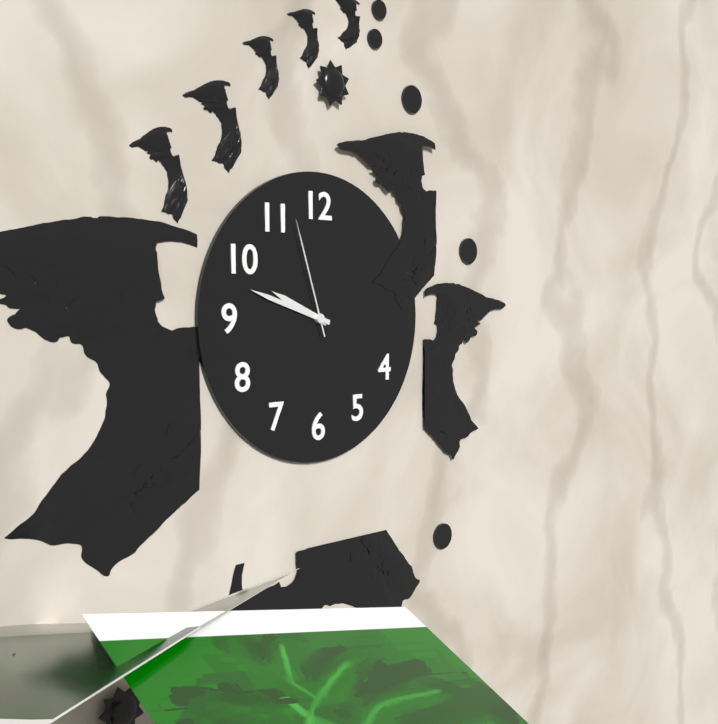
9:48:57
